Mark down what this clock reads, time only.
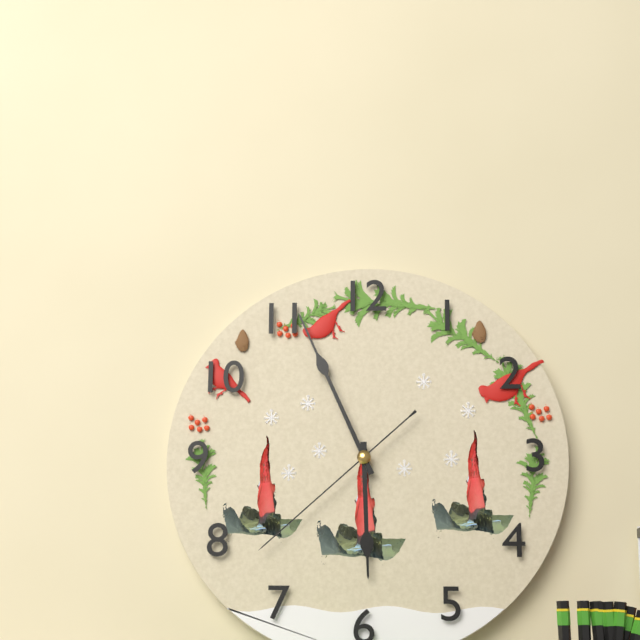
5:56:38
